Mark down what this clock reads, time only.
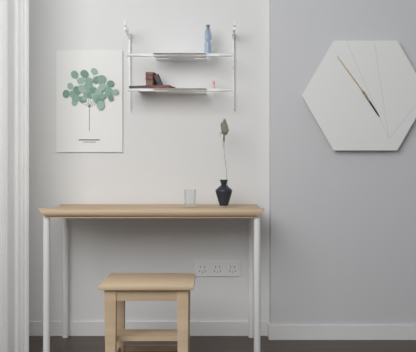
4:54
